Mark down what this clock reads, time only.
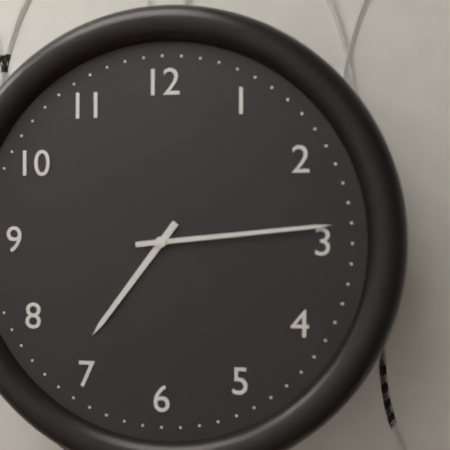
7:14
